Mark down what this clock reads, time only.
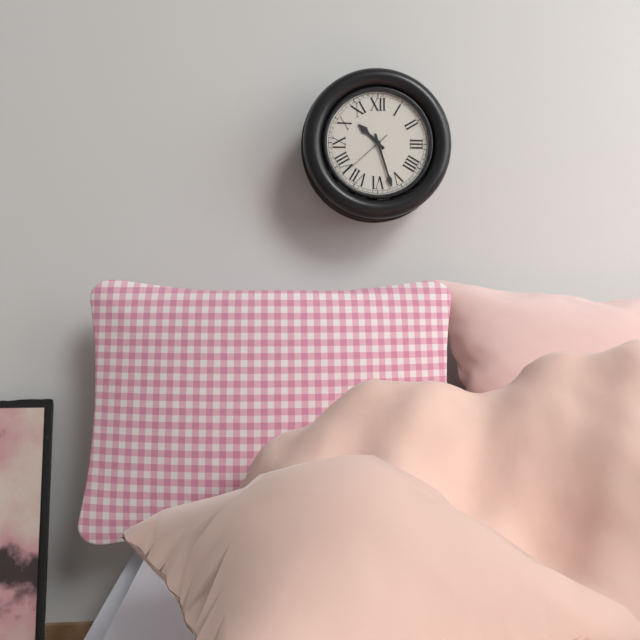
10:27:38
